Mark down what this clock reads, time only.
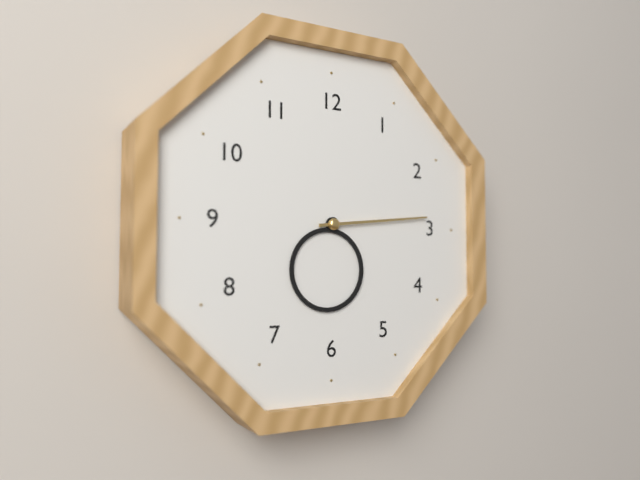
6:14
